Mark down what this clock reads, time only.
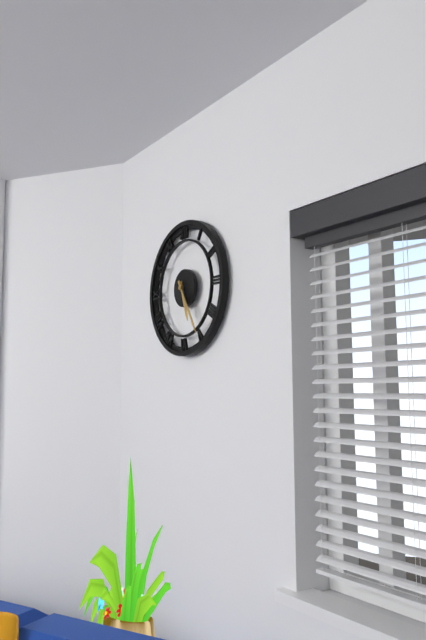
5:25
